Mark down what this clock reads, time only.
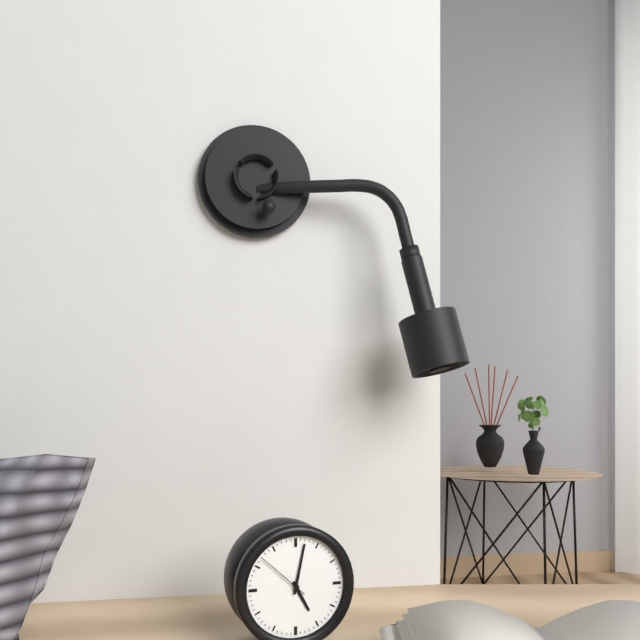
5:02:52
